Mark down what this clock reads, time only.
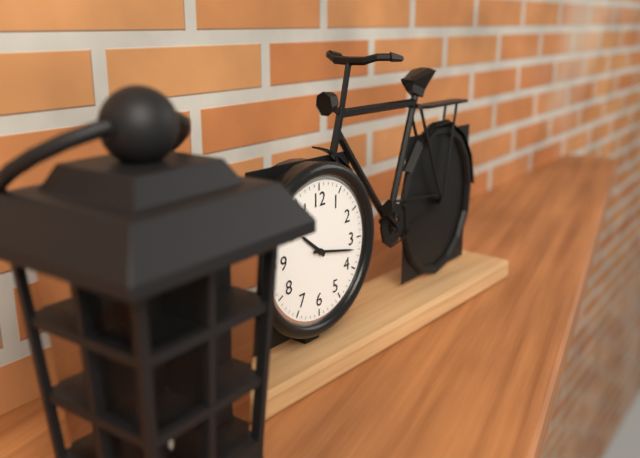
10:17
